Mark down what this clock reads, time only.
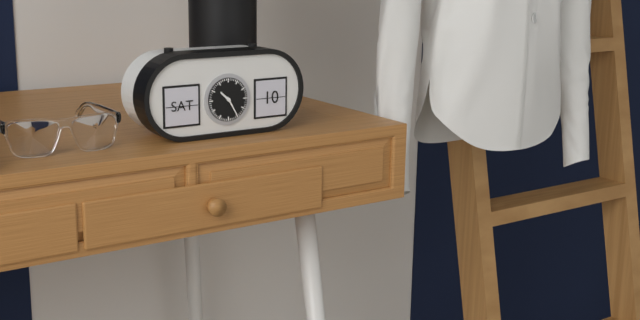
10:25
